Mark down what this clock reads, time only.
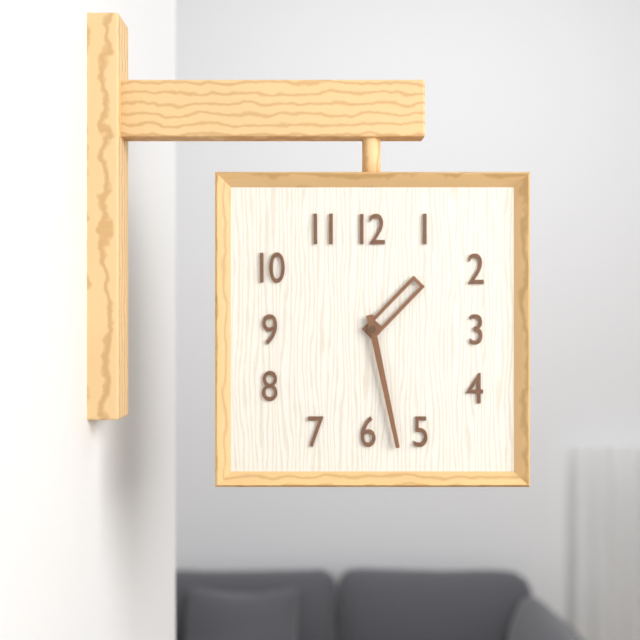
1:28
